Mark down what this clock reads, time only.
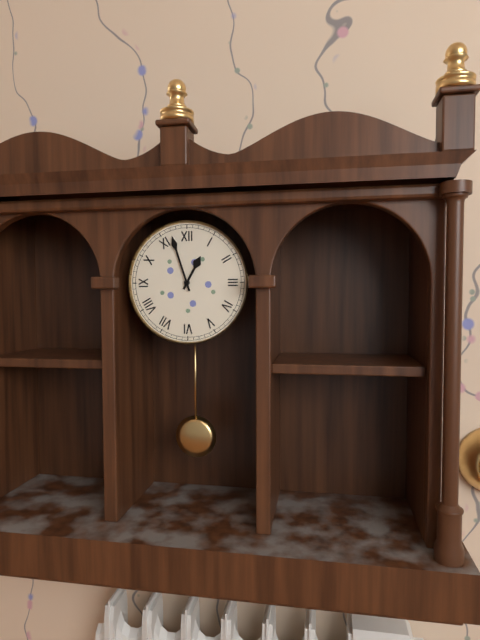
12:57
